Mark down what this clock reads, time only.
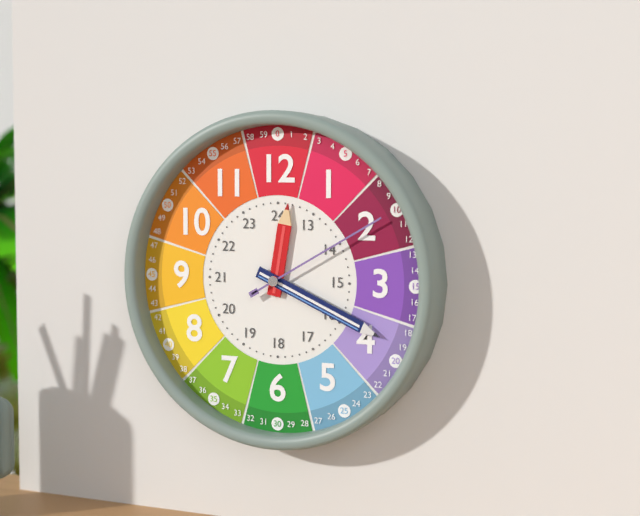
12:19:10
